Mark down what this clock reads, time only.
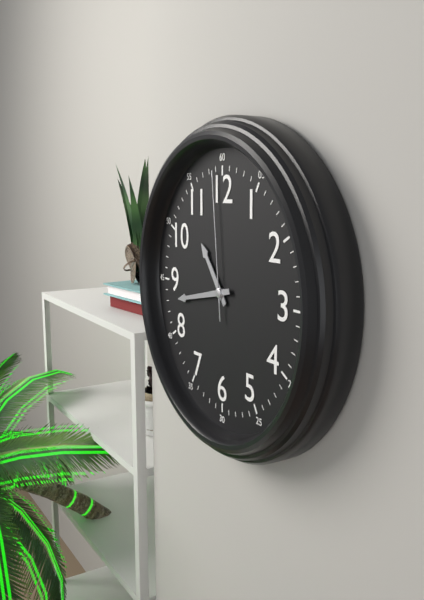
10:43:59
